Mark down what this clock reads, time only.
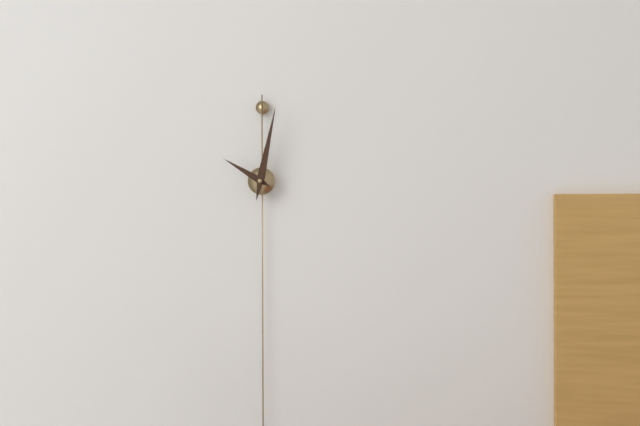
10:02
